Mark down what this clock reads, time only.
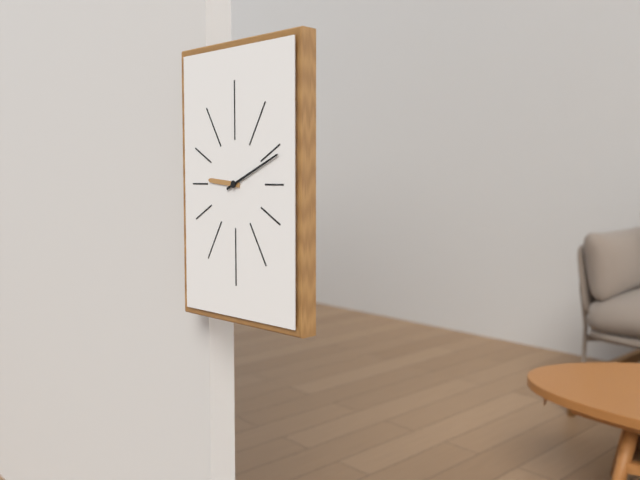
9:11
